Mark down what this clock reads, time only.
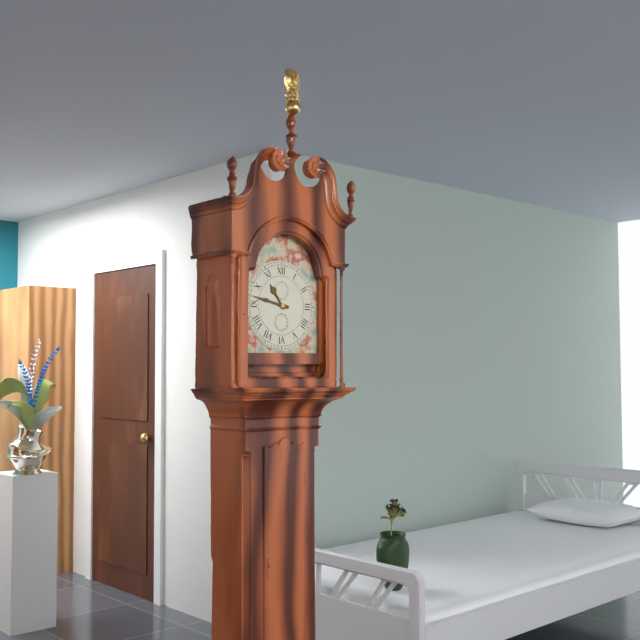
10:47
